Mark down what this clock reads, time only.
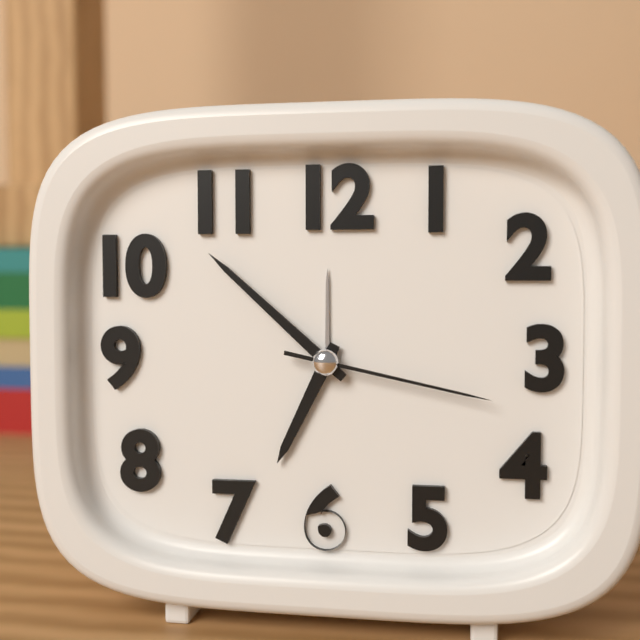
6:52:17
